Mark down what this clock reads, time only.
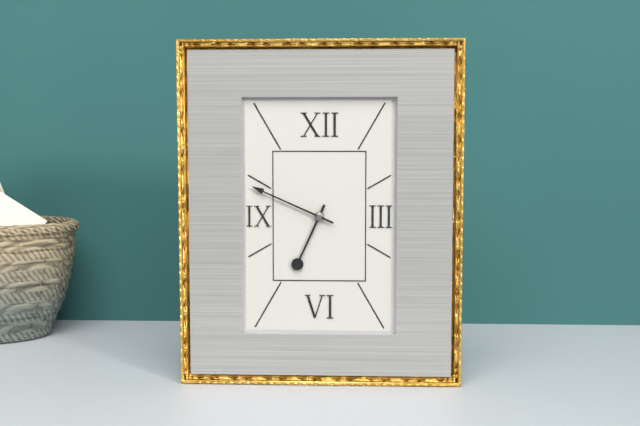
6:49
